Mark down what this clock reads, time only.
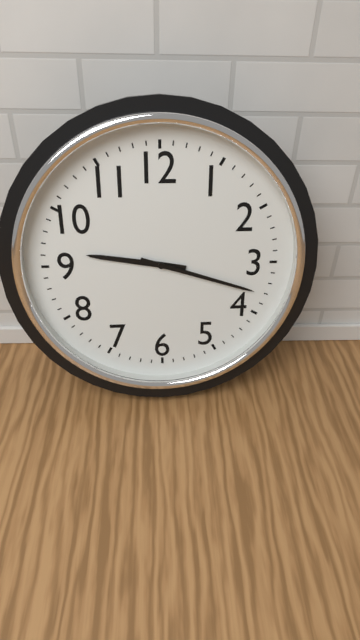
9:18
